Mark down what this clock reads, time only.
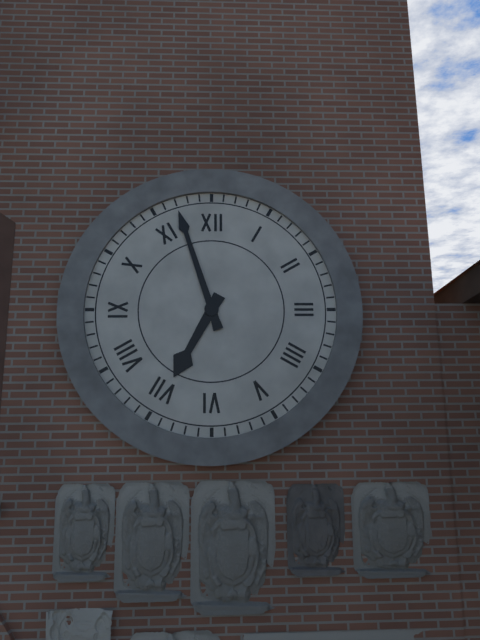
6:57
